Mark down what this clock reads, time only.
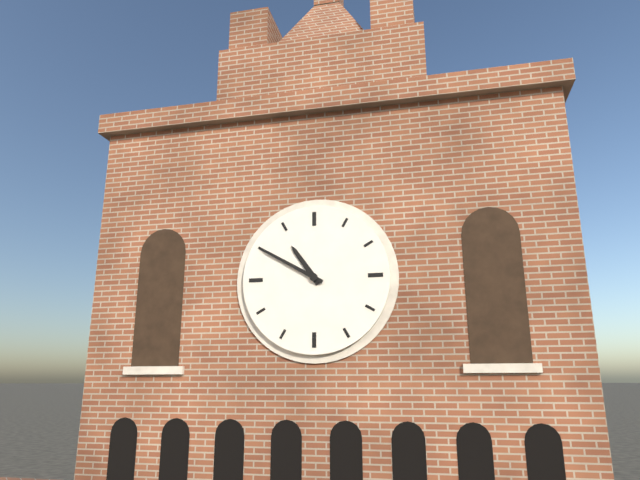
10:50
